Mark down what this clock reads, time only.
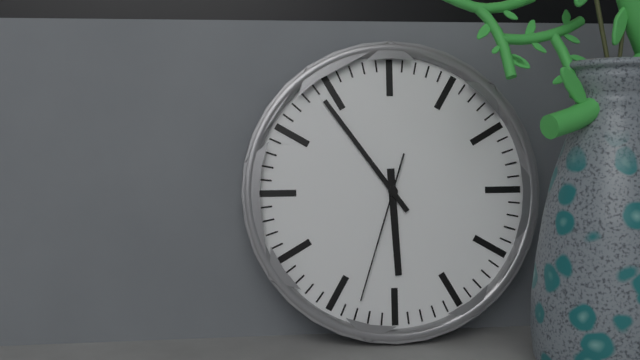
5:54:33
